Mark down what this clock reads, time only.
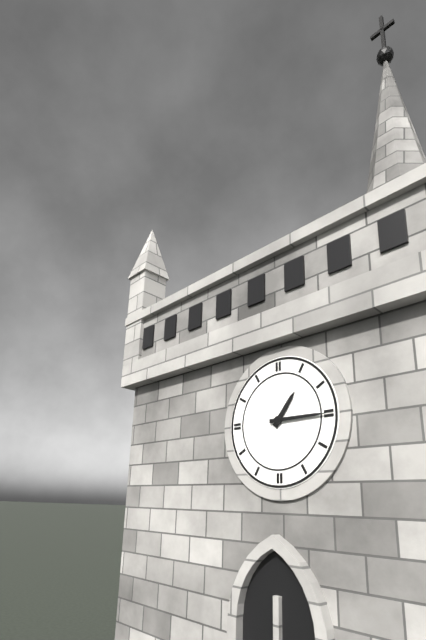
1:15
